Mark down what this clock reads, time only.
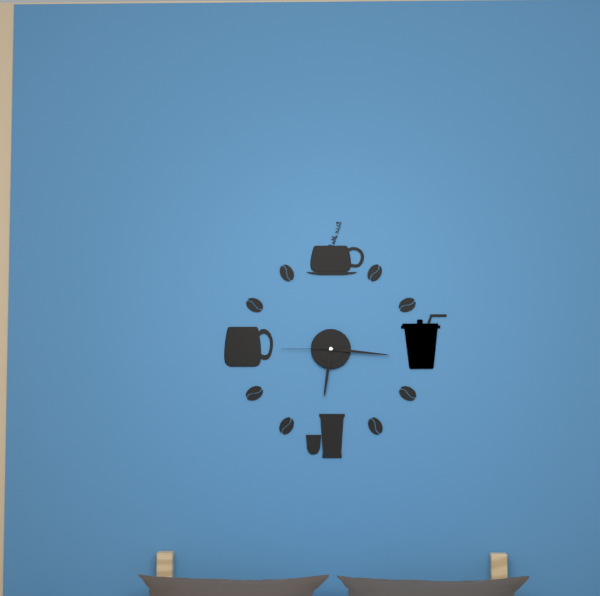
6:16:45
